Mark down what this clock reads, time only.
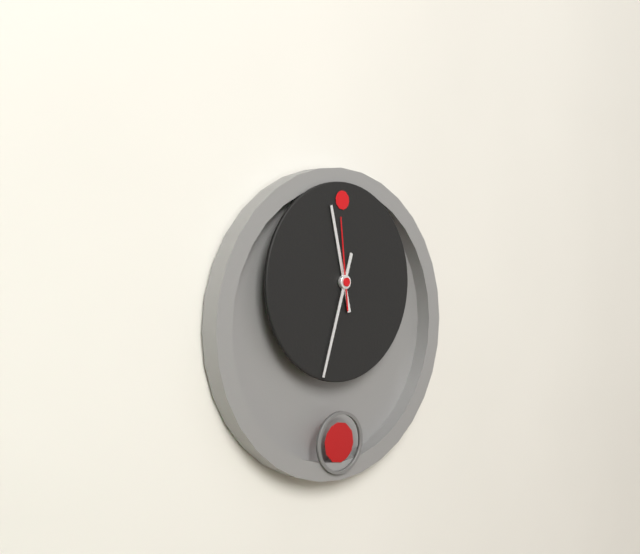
11:33:59
